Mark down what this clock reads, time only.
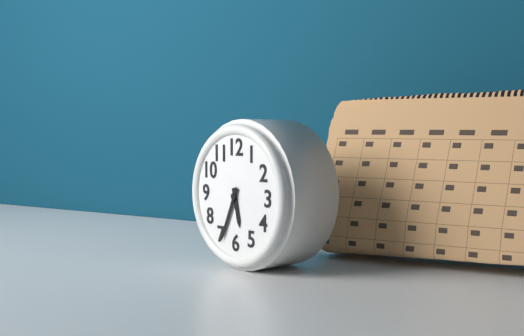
5:34
